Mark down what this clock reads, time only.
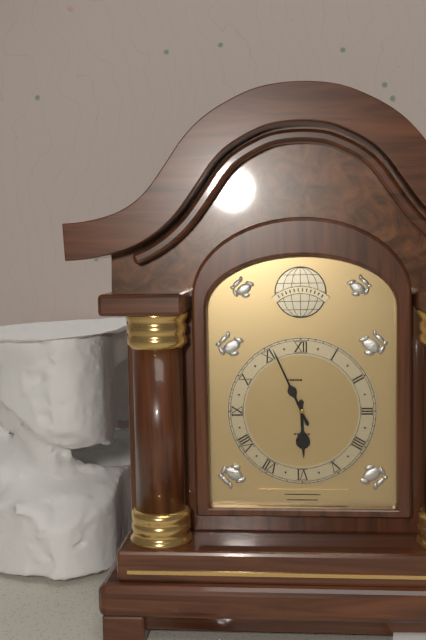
5:56
